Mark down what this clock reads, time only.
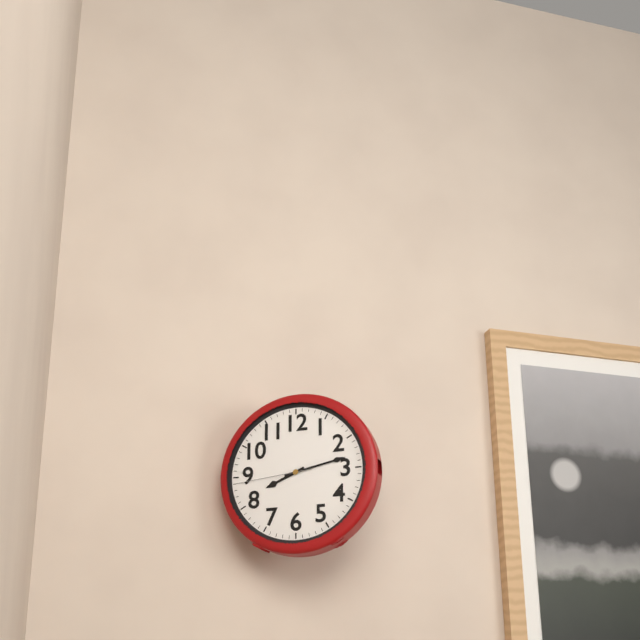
8:13:44
